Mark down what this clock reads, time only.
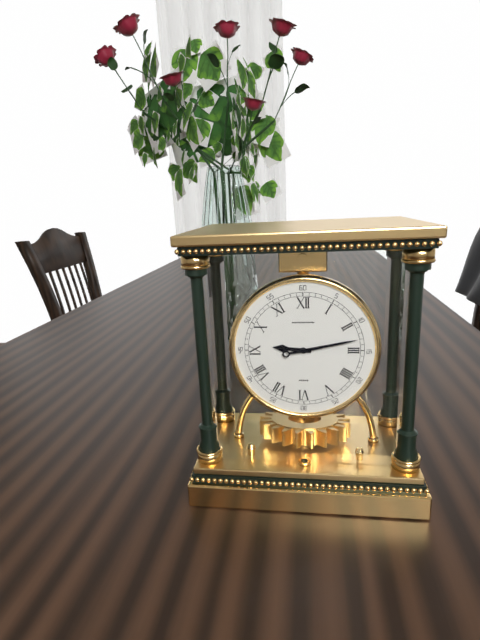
9:13
